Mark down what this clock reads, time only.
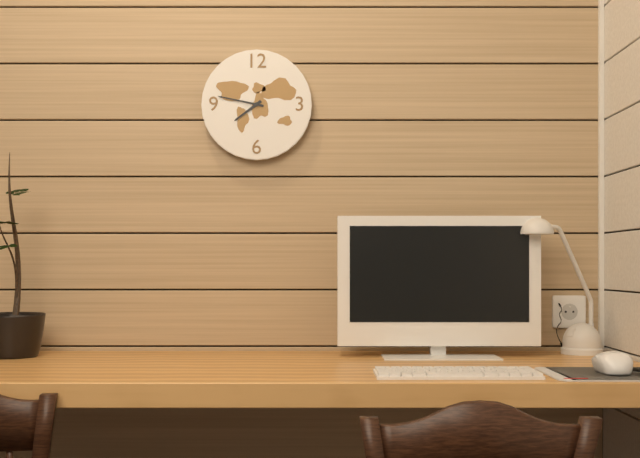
7:47
